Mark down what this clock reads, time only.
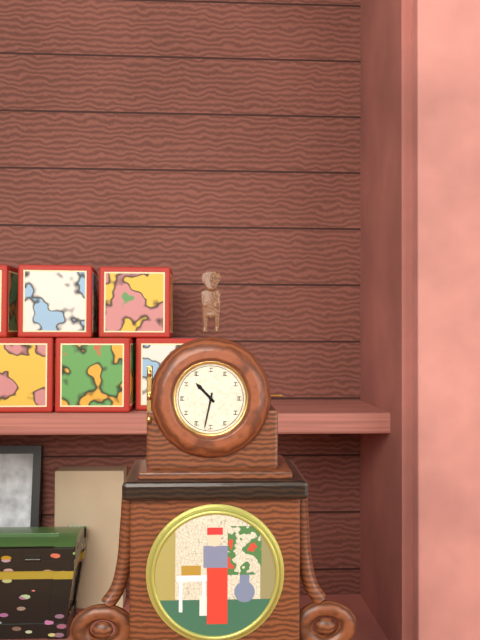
10:32
